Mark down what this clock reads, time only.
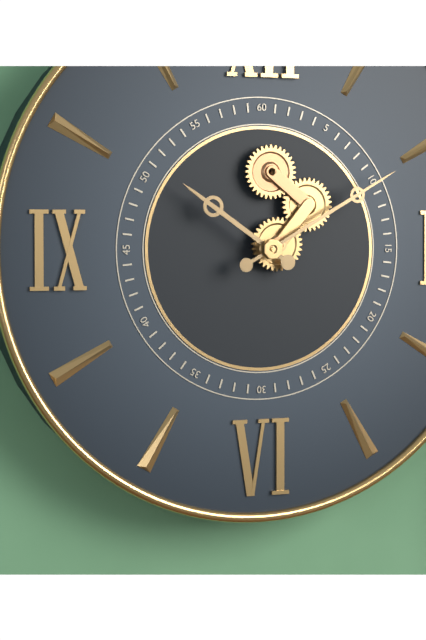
10:10
